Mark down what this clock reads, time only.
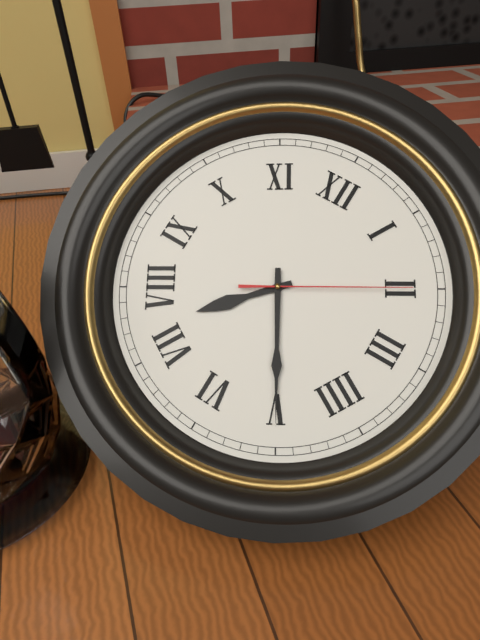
7:25:10
